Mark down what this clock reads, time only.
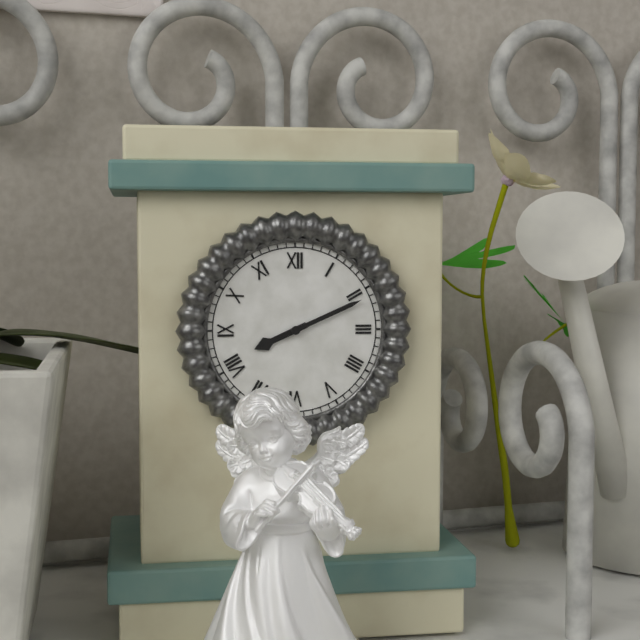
8:11
